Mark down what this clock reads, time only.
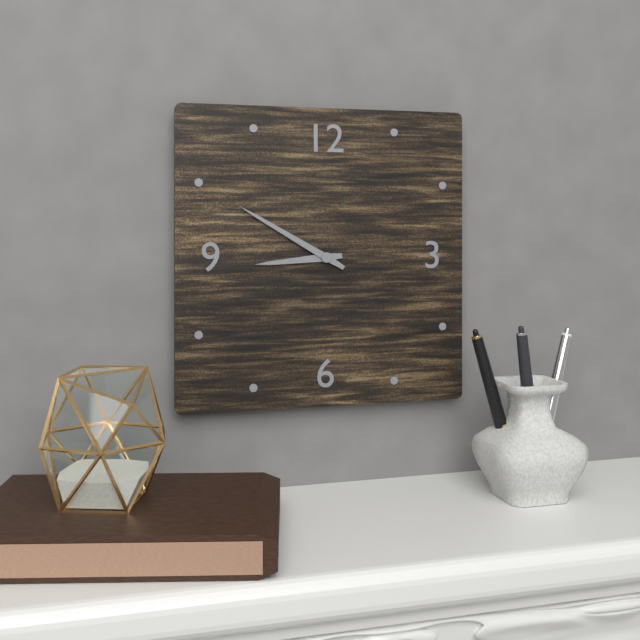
8:50
